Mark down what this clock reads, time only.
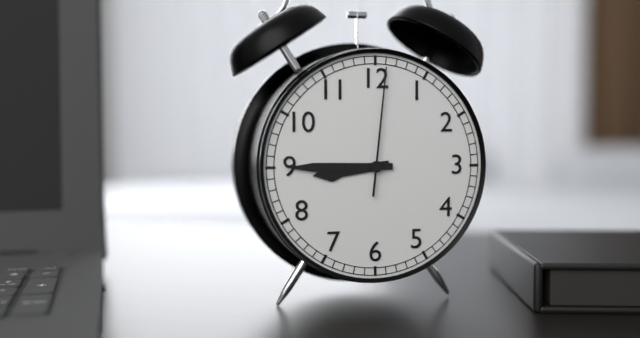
8:45:01
